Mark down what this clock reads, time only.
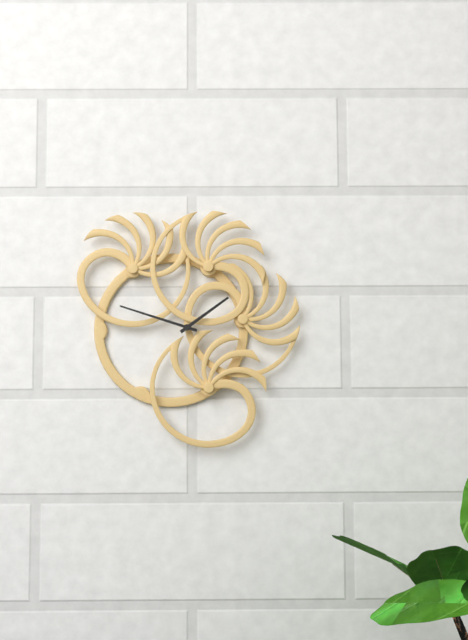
1:48
